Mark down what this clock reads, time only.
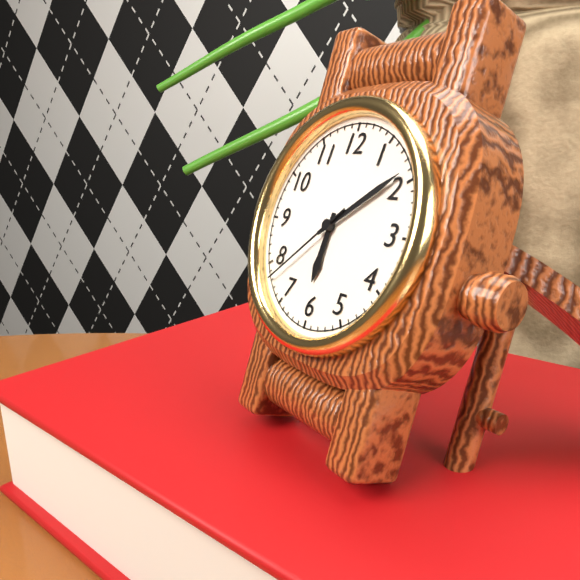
6:09:38
